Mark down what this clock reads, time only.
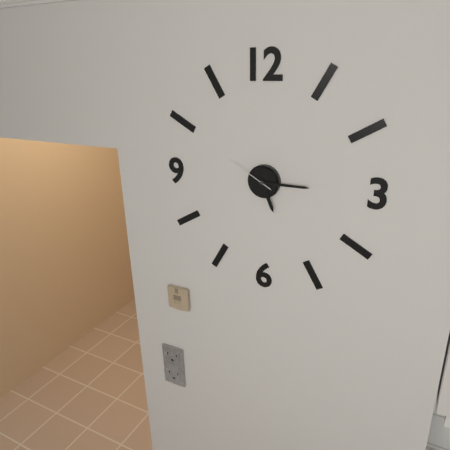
5:15
